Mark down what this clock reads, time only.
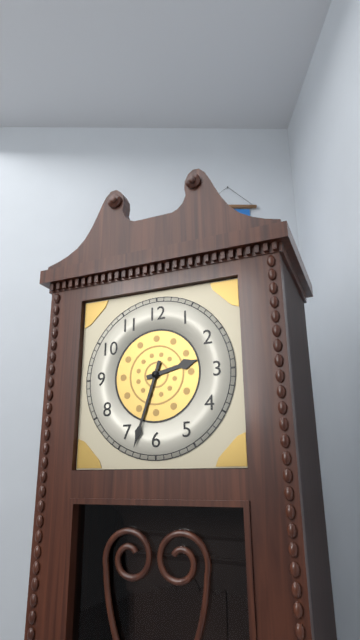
2:33
